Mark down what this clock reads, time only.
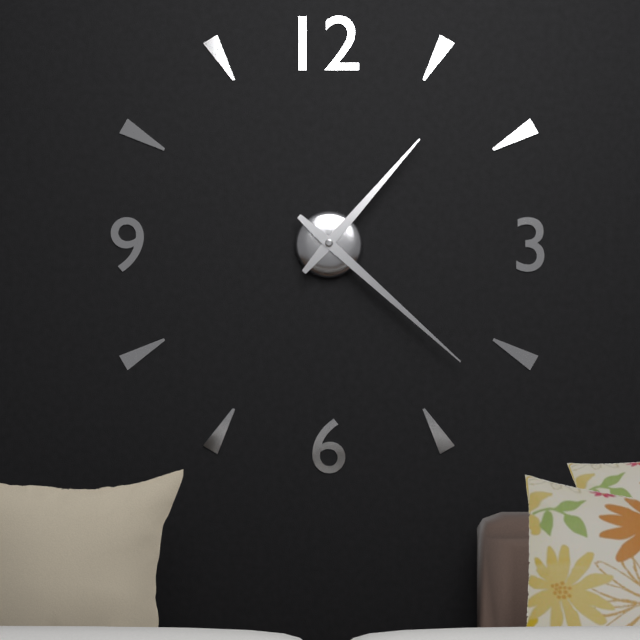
1:22
